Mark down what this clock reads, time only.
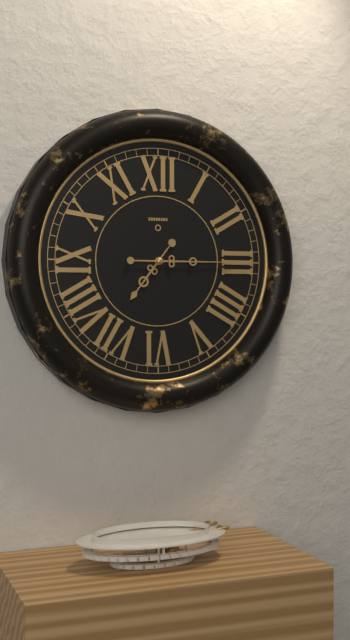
7:15
